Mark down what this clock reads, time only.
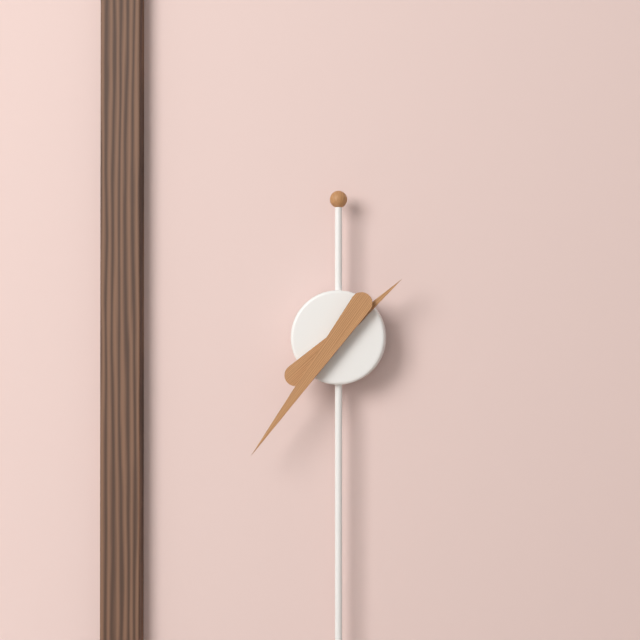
1:36
